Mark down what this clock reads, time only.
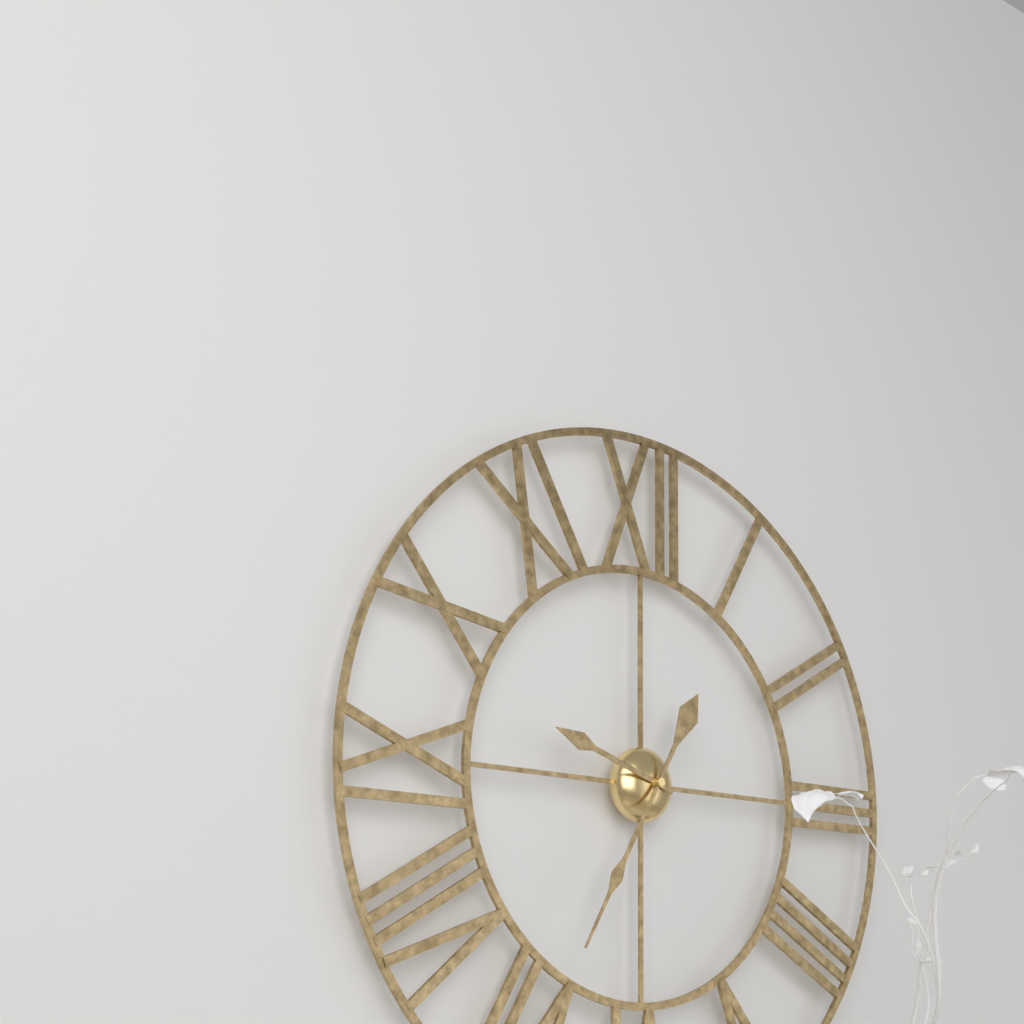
9:35
